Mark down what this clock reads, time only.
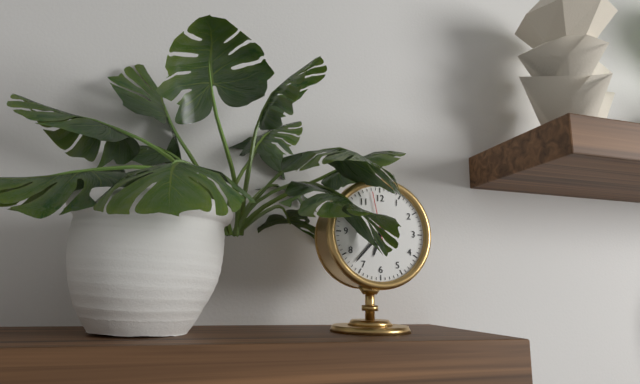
6:37:58
